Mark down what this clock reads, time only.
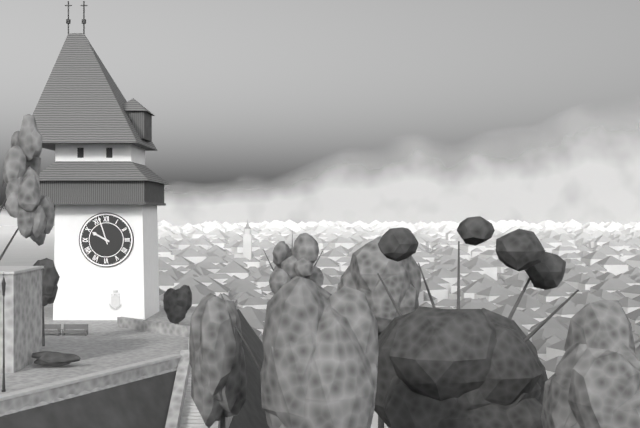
9:57
